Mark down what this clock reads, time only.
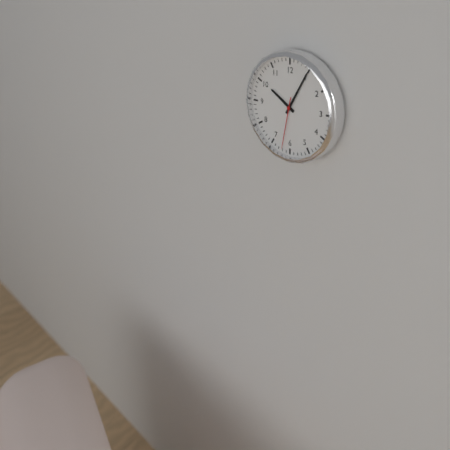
10:05:32
